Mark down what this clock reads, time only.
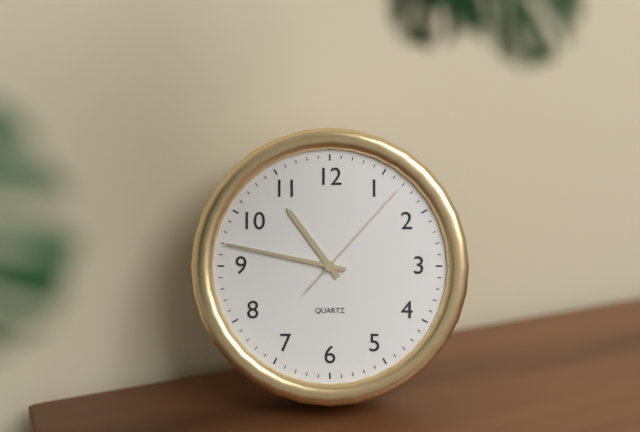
10:47:07
